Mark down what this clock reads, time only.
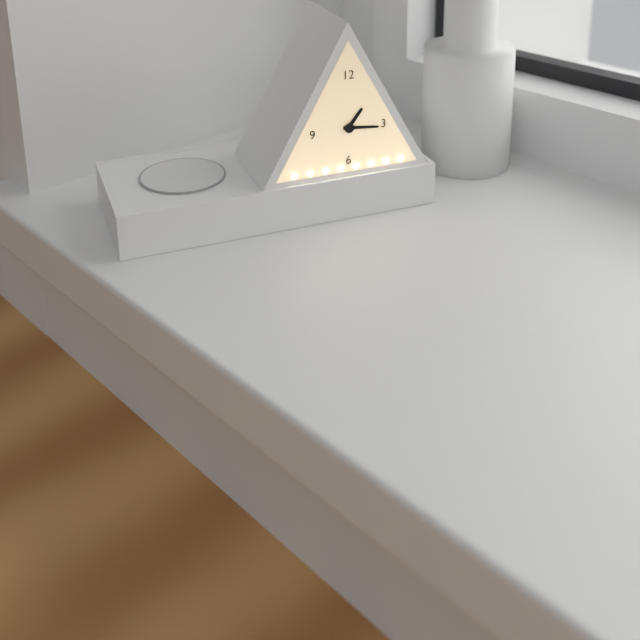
1:16
